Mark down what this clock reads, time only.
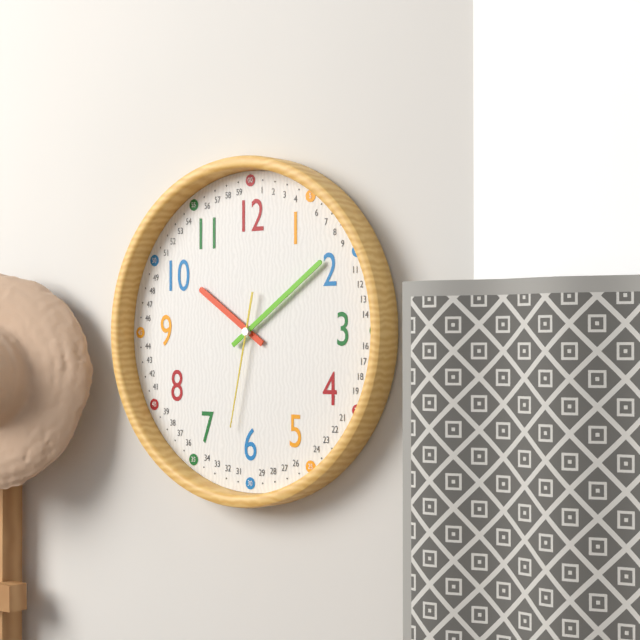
10:09:32
